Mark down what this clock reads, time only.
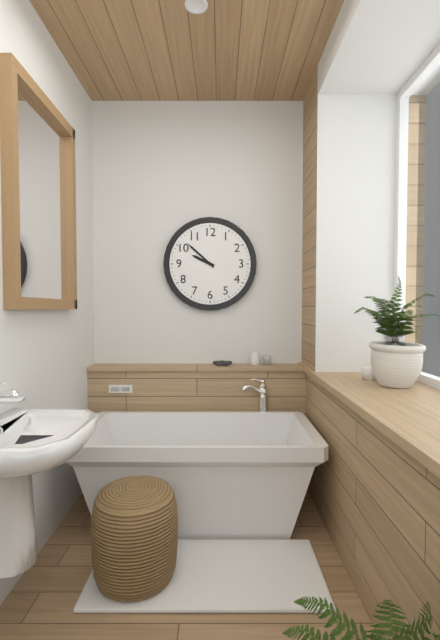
9:52
